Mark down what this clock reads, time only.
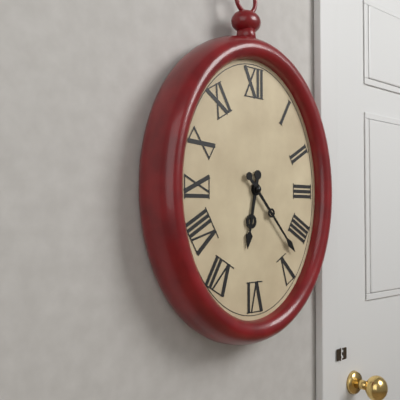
6:23
